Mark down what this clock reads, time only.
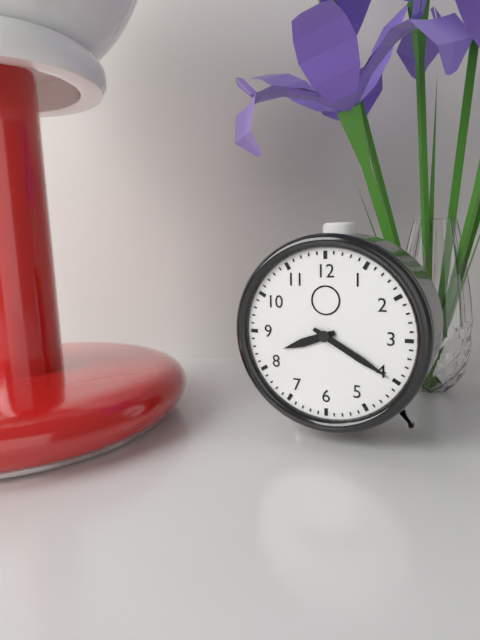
8:20
